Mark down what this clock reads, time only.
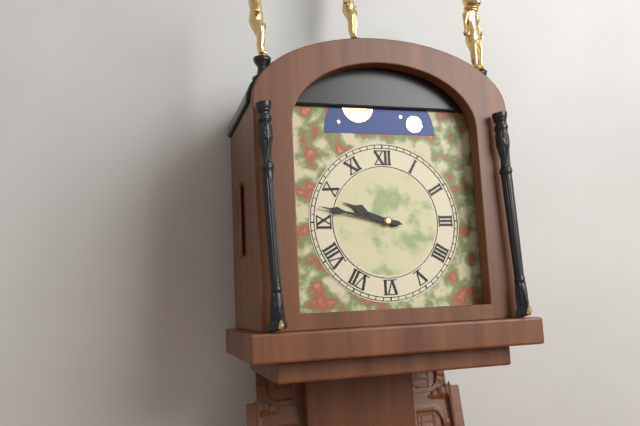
9:47
